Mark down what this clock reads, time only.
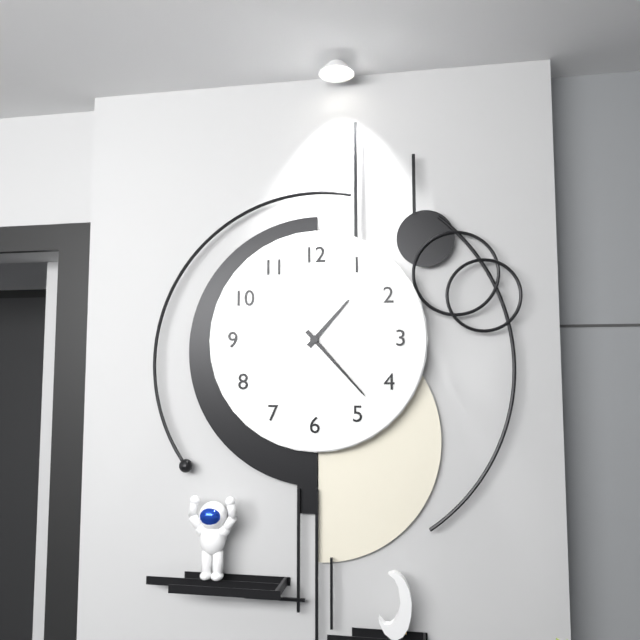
1:23
